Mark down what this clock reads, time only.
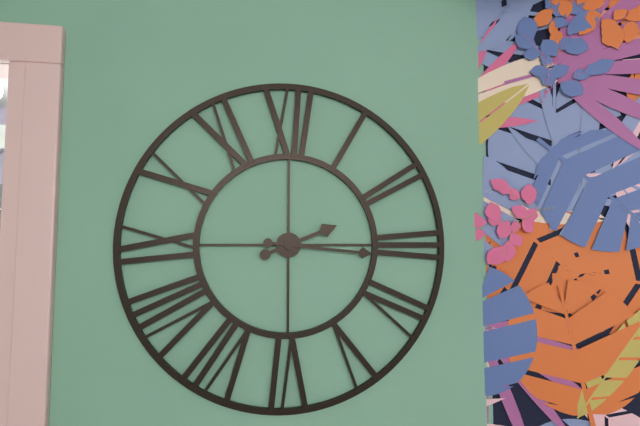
2:16
